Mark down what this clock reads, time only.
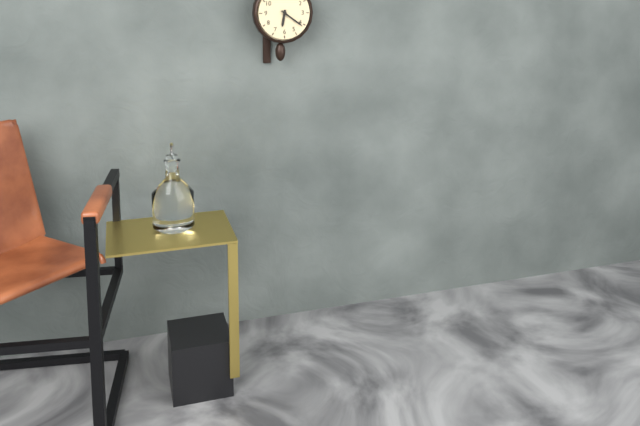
6:21
